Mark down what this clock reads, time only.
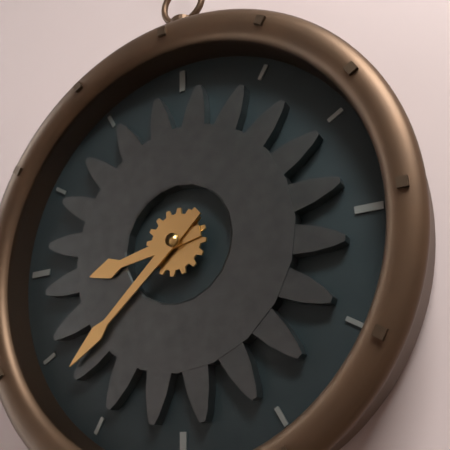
8:38
